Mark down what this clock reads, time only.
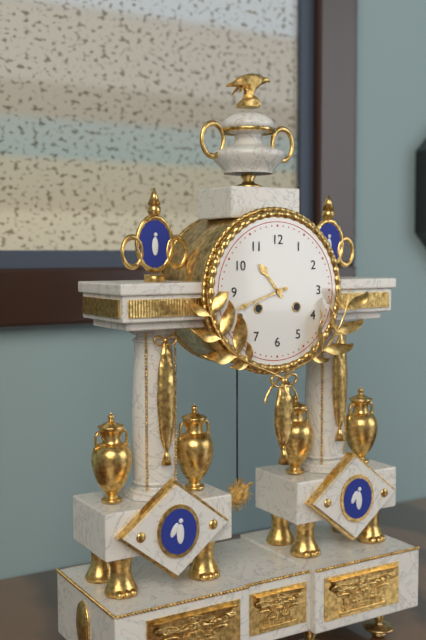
10:42
